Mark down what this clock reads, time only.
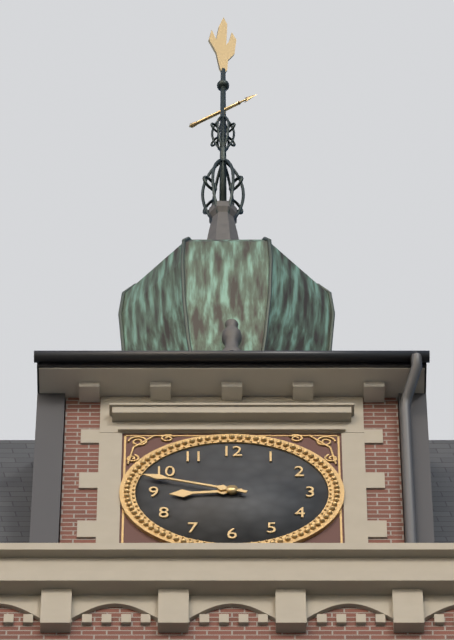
8:48
